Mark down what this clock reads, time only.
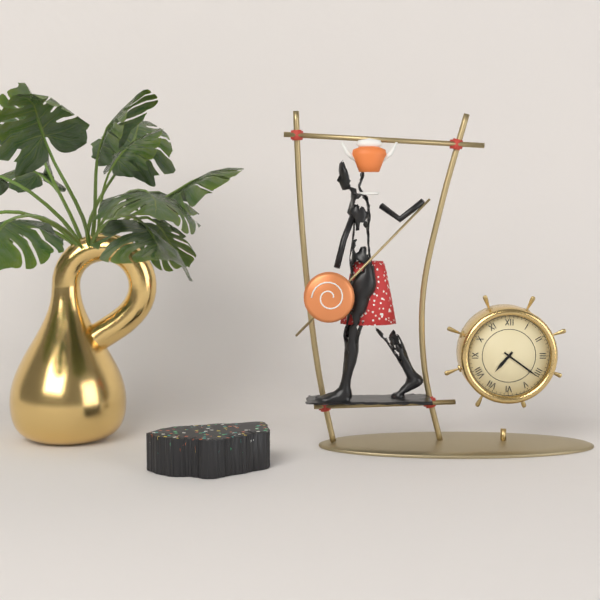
7:21
